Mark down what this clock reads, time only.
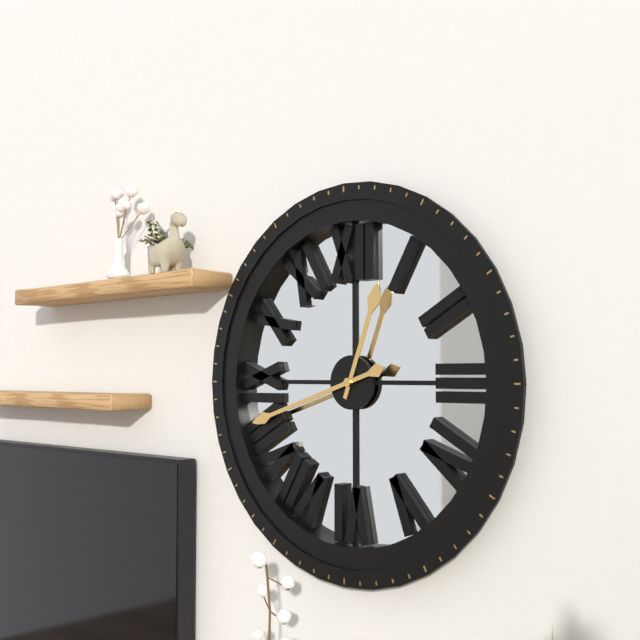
12:42
